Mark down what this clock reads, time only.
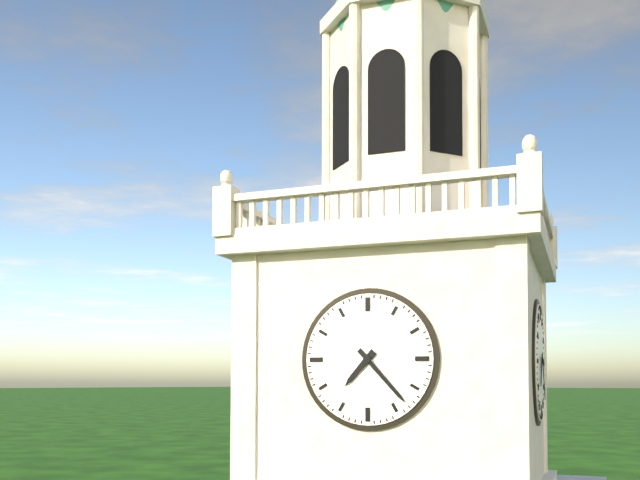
7:23
